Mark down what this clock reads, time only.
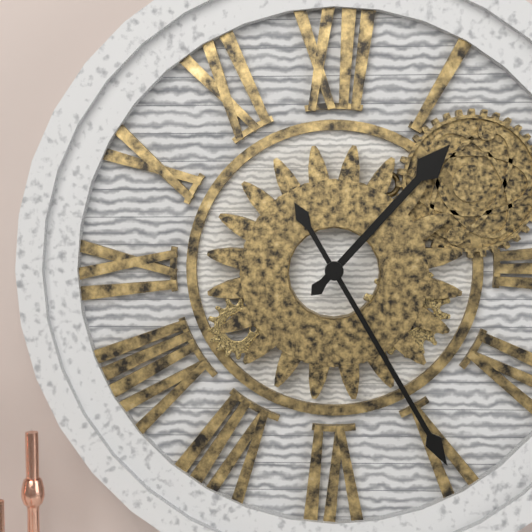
1:25
